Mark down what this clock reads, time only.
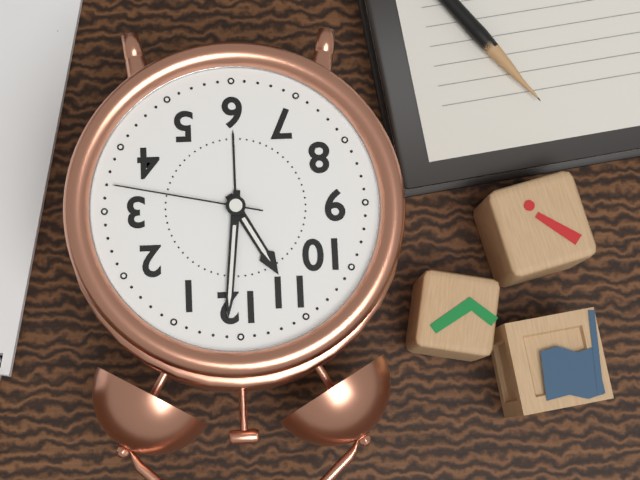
11:01:17
